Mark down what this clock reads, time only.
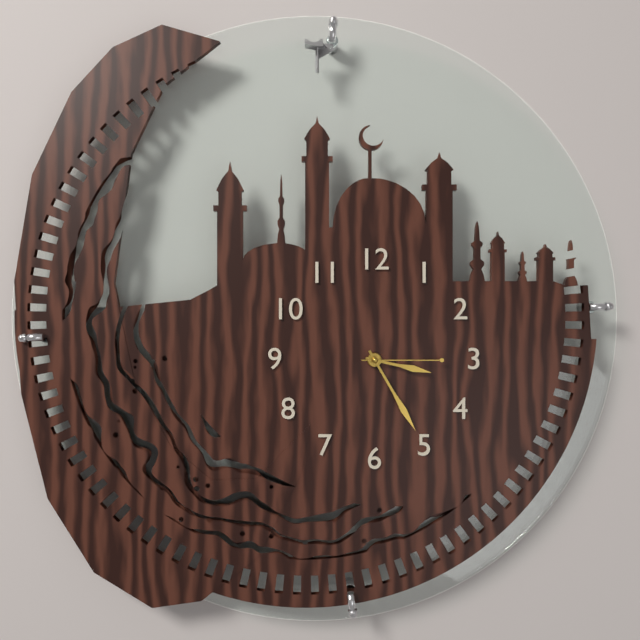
3:25:15
